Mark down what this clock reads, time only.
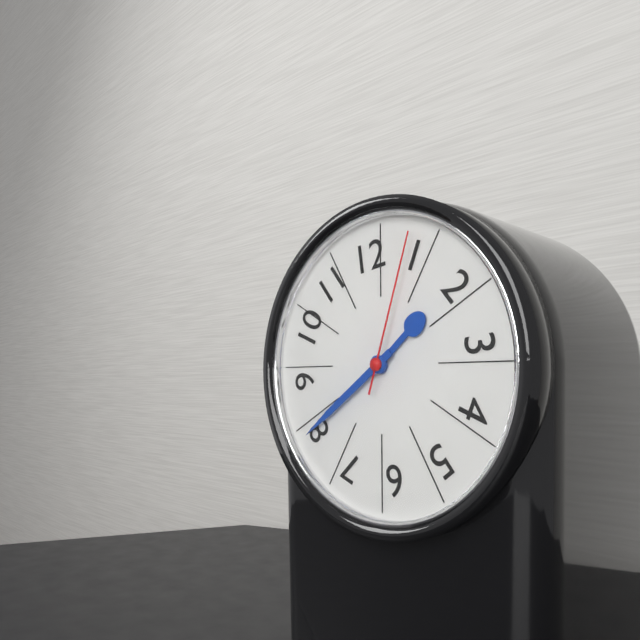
1:39:03
